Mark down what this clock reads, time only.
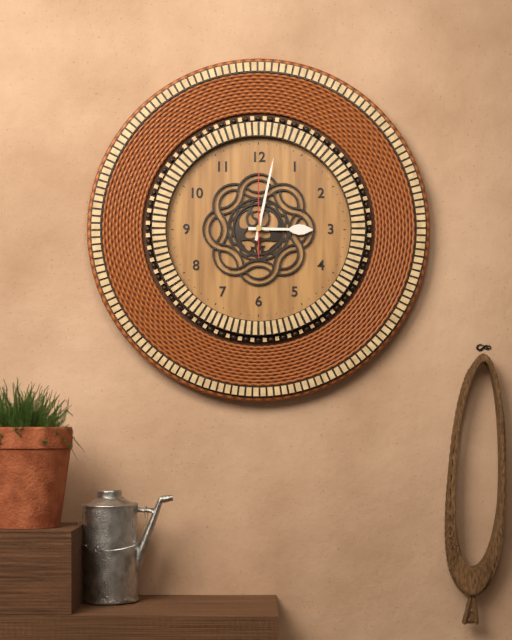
3:02:00
